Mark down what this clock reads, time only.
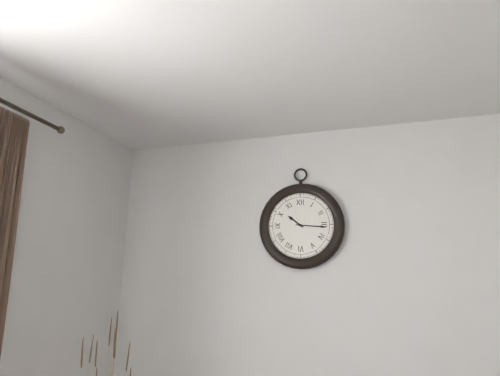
10:16
